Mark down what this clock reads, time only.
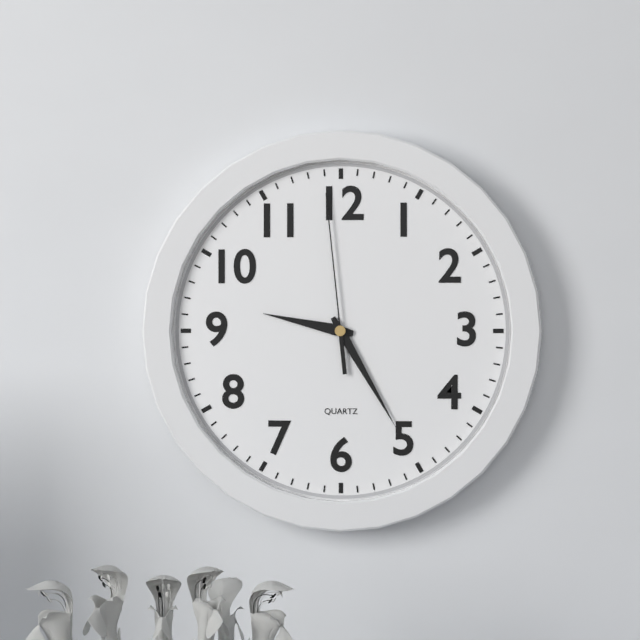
9:25:59
